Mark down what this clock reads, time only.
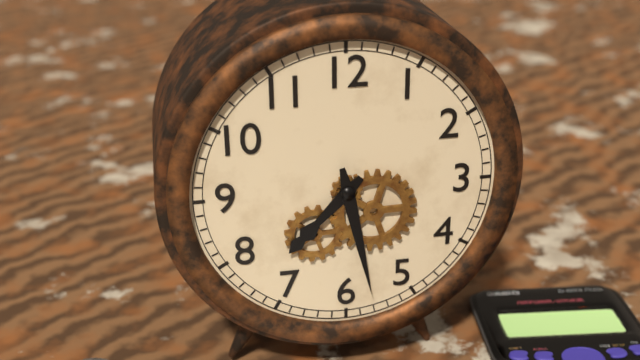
7:28
